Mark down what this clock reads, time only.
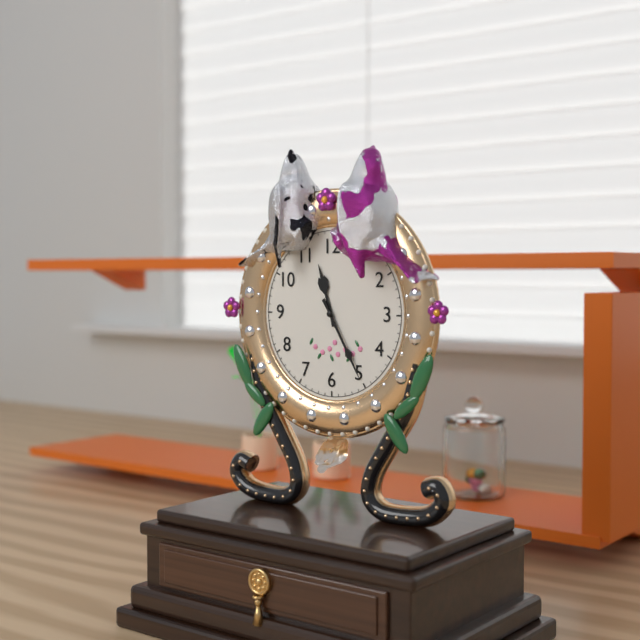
11:25
